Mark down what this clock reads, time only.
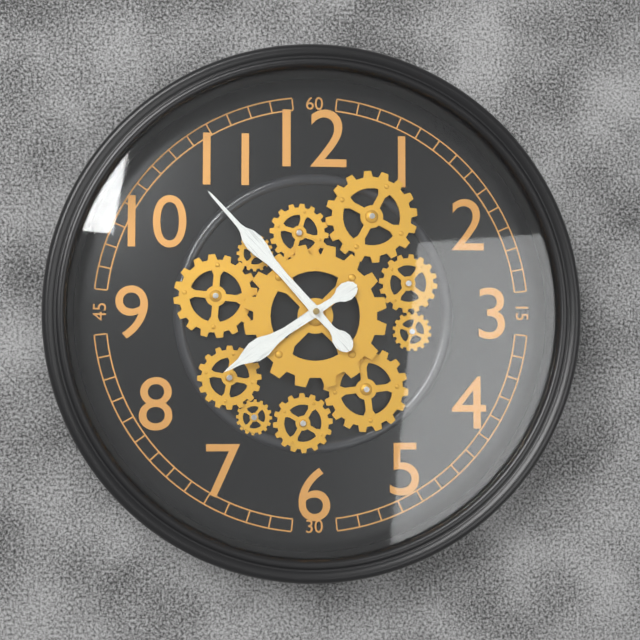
7:53
